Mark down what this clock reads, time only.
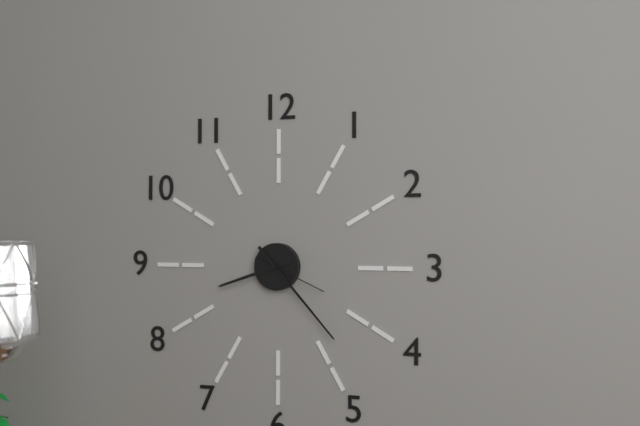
8:23:19
